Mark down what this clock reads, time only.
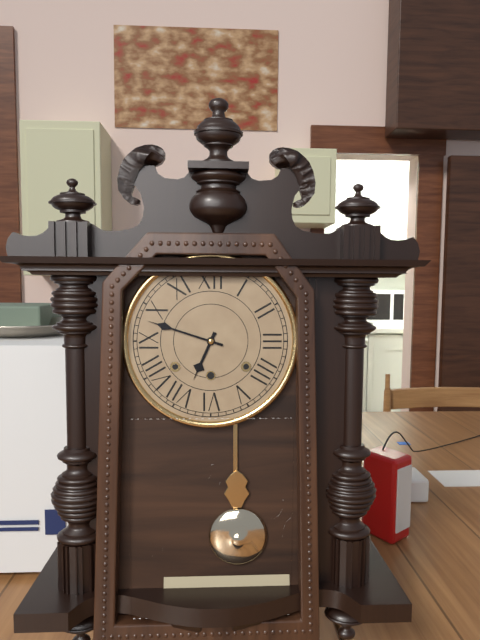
6:48
